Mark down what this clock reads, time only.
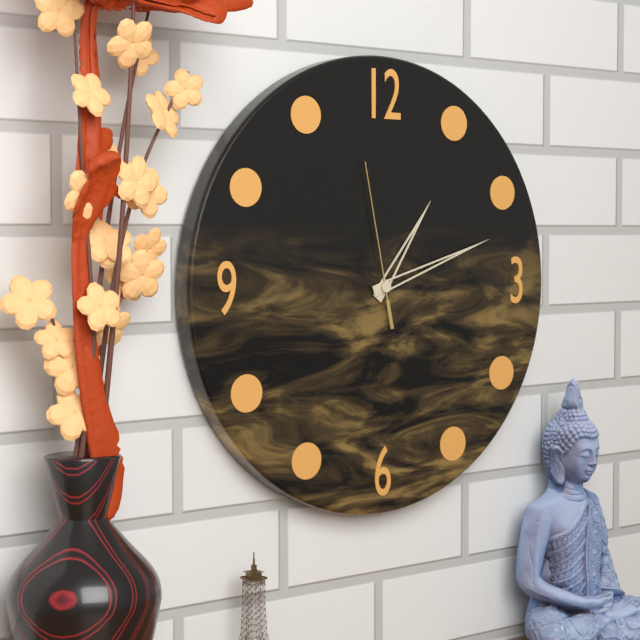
1:12:58
